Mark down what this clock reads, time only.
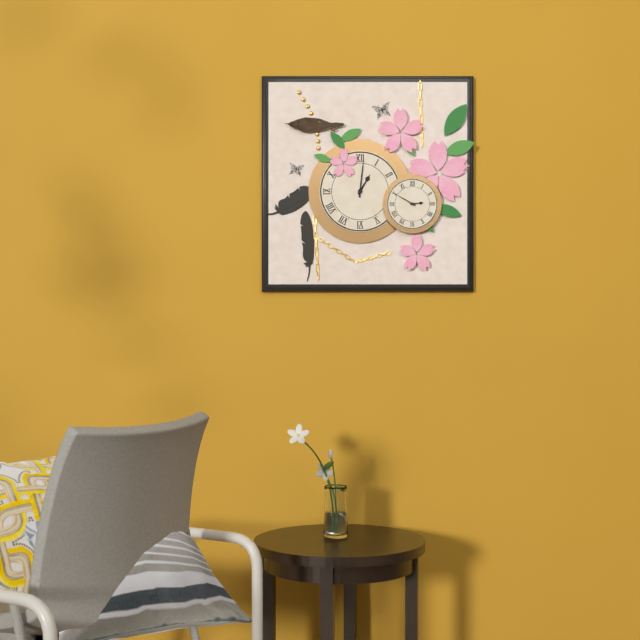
1:01
